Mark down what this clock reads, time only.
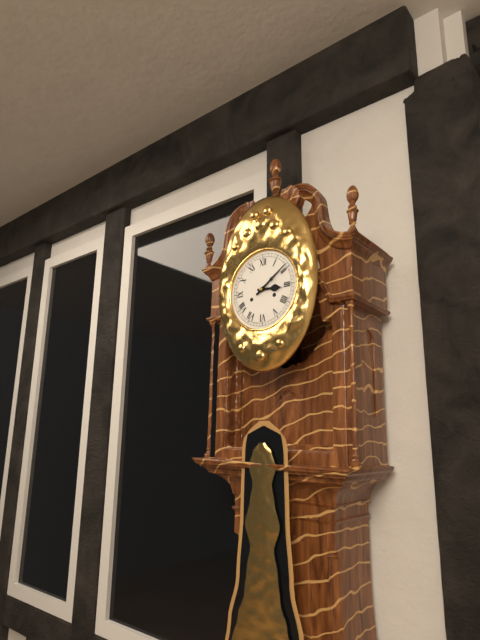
3:09
